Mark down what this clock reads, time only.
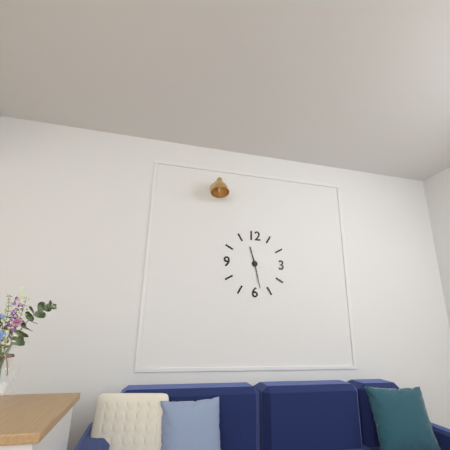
11:28
